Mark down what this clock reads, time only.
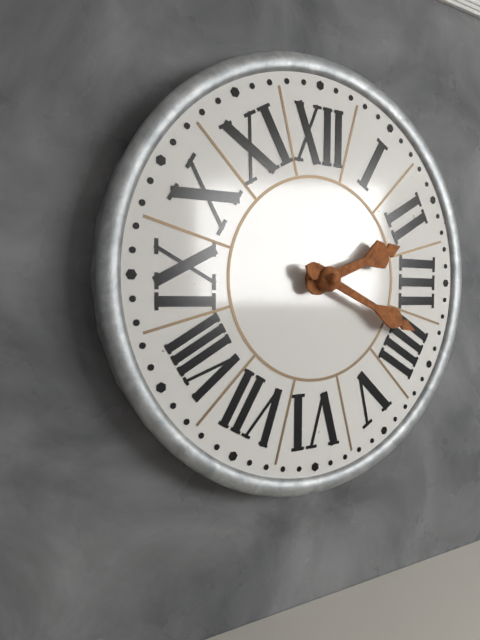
2:19
